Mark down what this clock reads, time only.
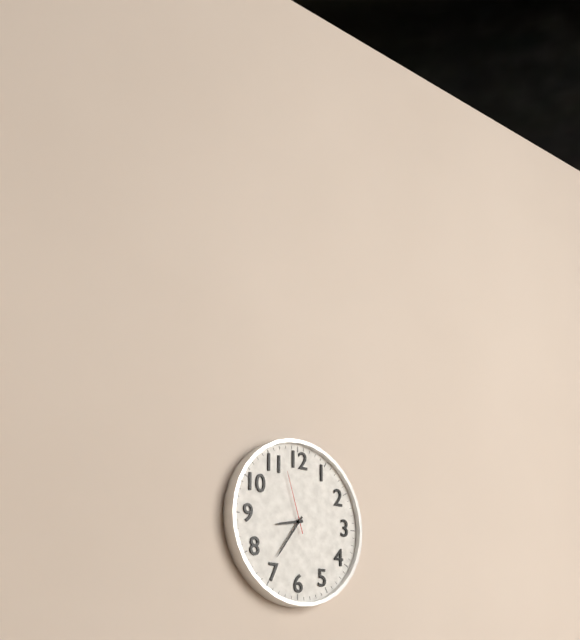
8:36:57
